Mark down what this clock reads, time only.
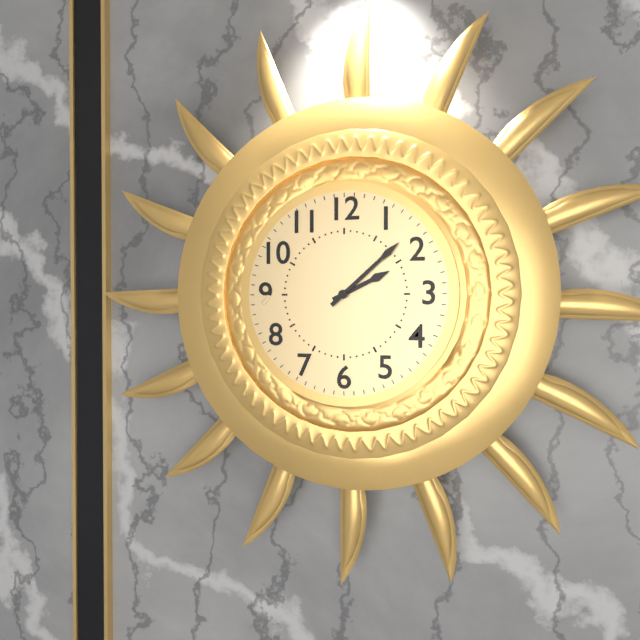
2:08
